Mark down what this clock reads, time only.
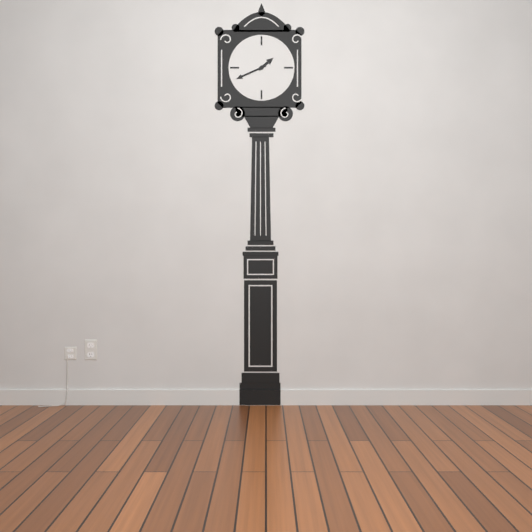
1:41
